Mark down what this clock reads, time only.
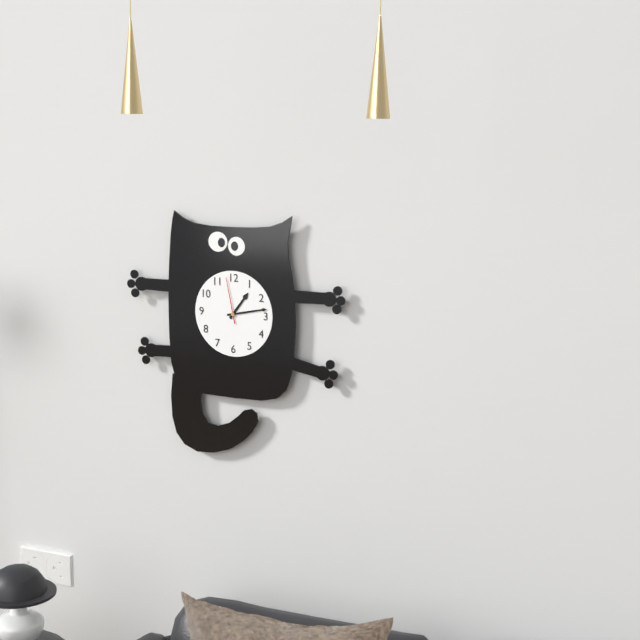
1:13
